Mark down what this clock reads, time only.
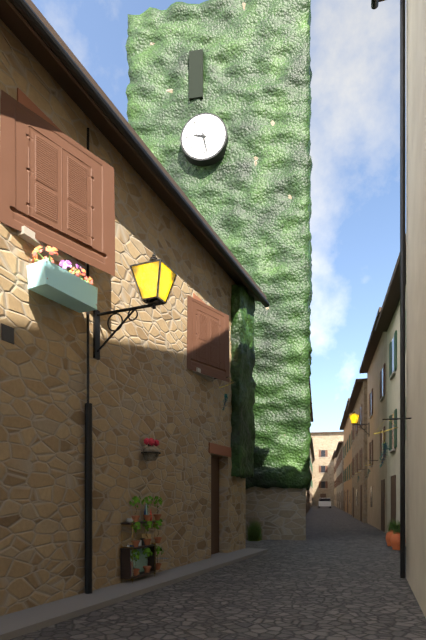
9:28
